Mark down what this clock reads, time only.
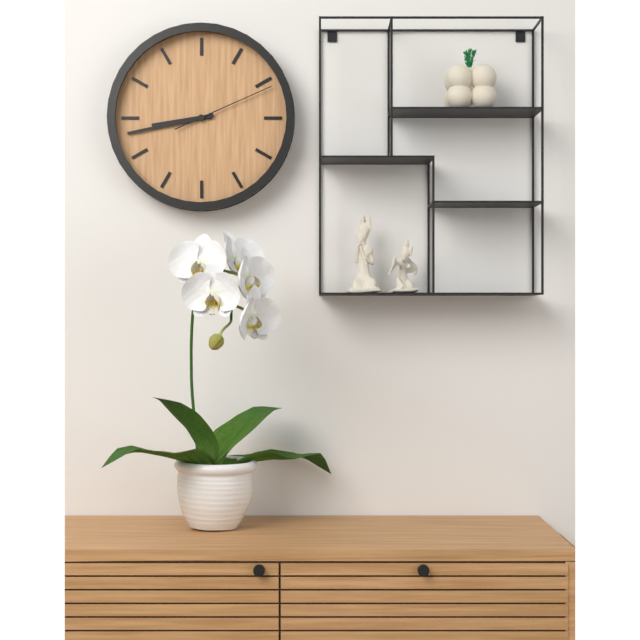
8:43:11
